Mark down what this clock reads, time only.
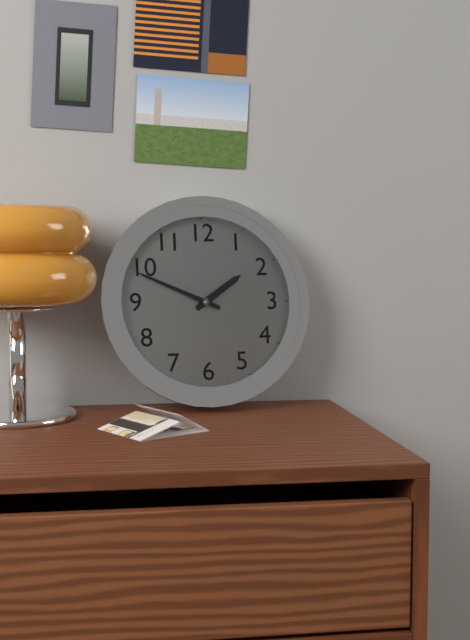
1:49
